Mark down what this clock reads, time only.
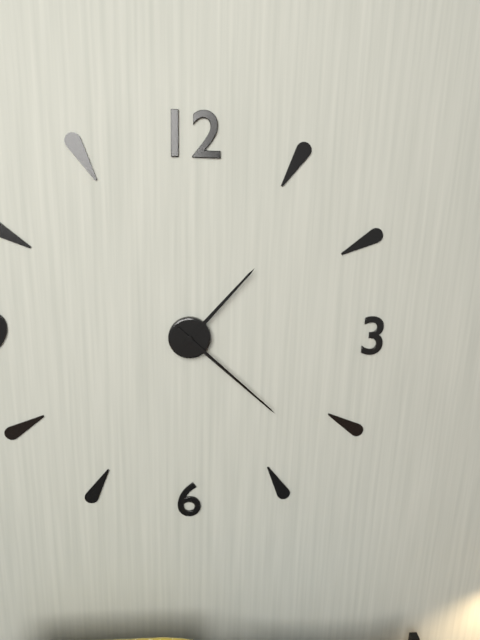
1:22
